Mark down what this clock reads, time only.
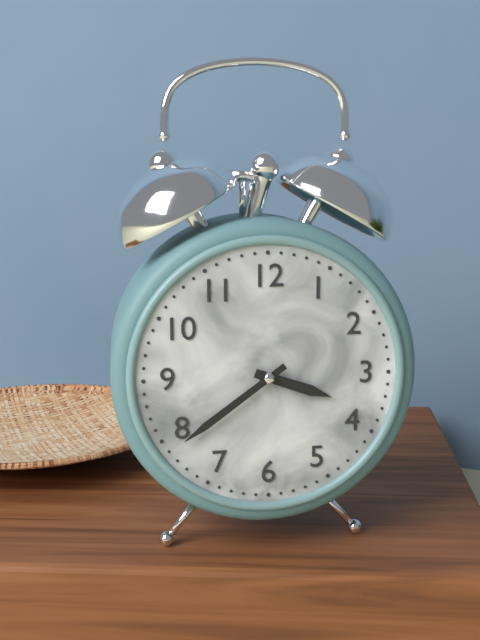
3:39
